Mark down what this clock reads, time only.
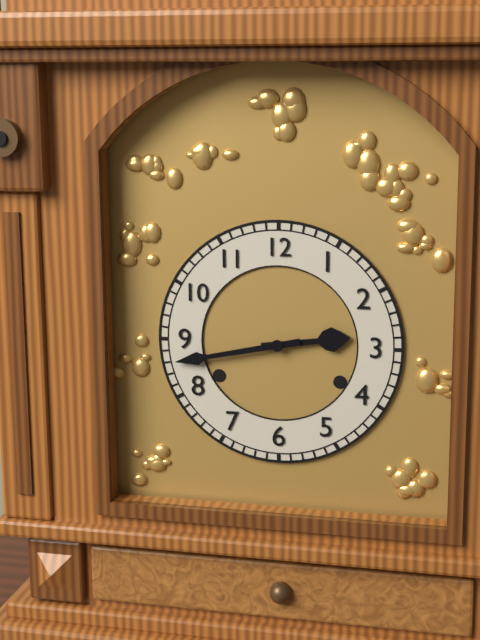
2:43
